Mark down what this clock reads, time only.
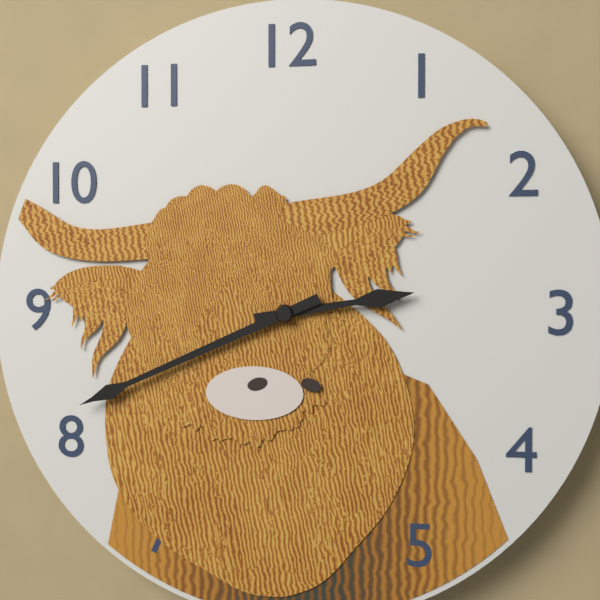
2:41
